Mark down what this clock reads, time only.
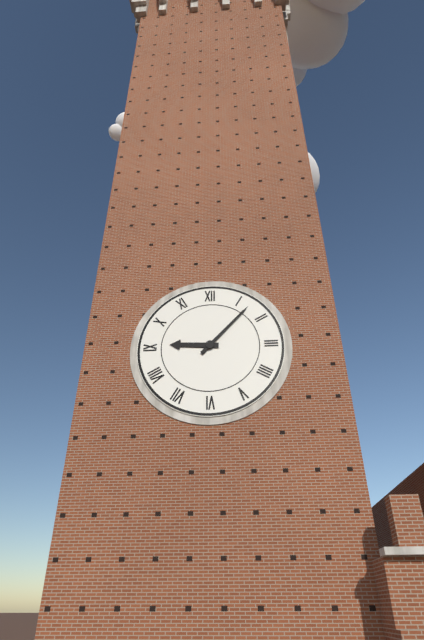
9:07
